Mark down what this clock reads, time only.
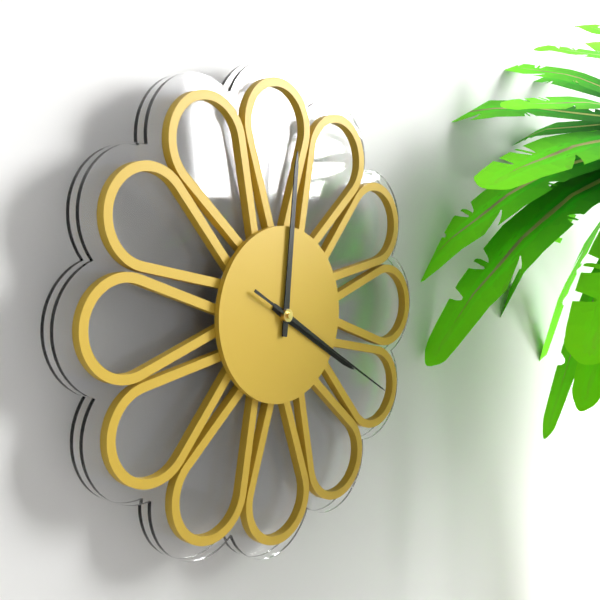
4:01:20
